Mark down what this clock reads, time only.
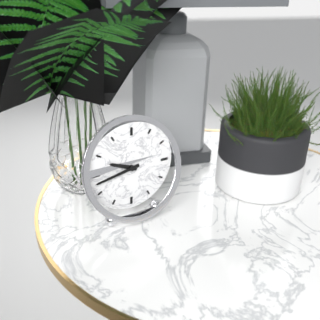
9:43
